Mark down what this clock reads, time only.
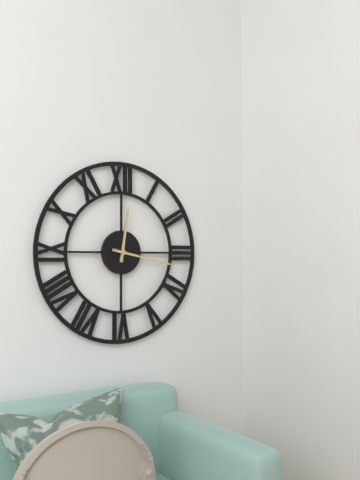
12:17
